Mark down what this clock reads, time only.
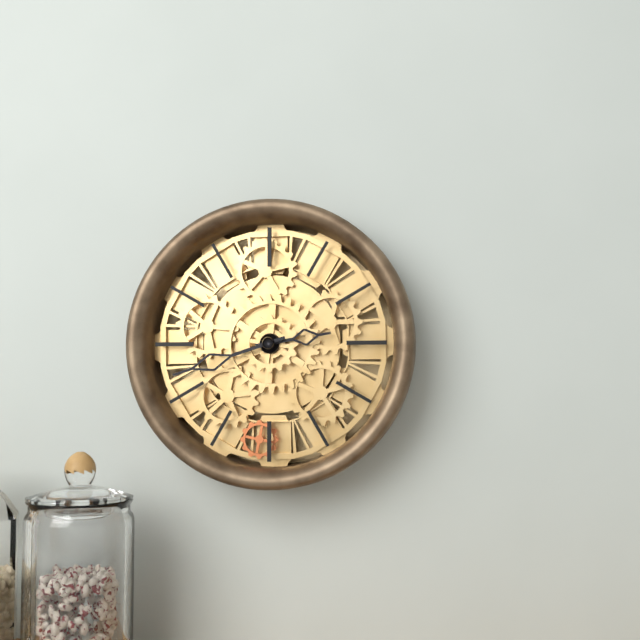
2:42
